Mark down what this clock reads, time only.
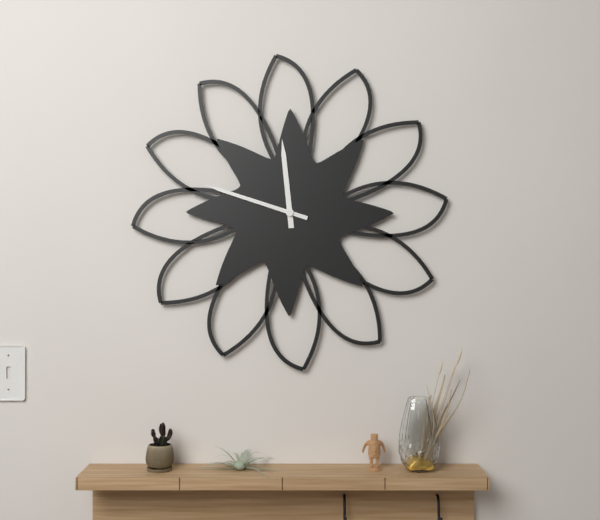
11:48
